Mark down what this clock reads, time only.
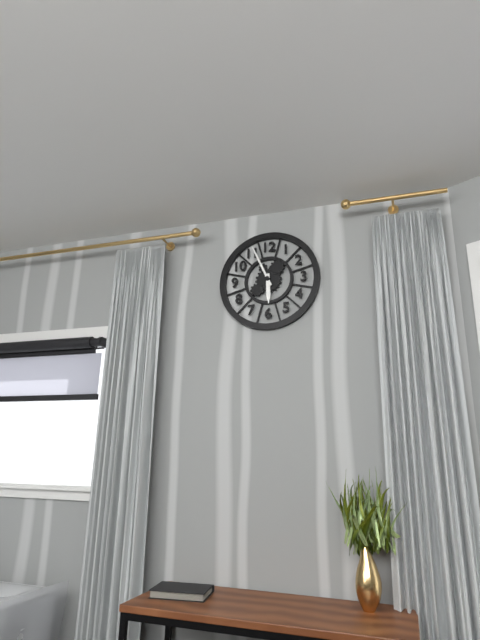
5:56
